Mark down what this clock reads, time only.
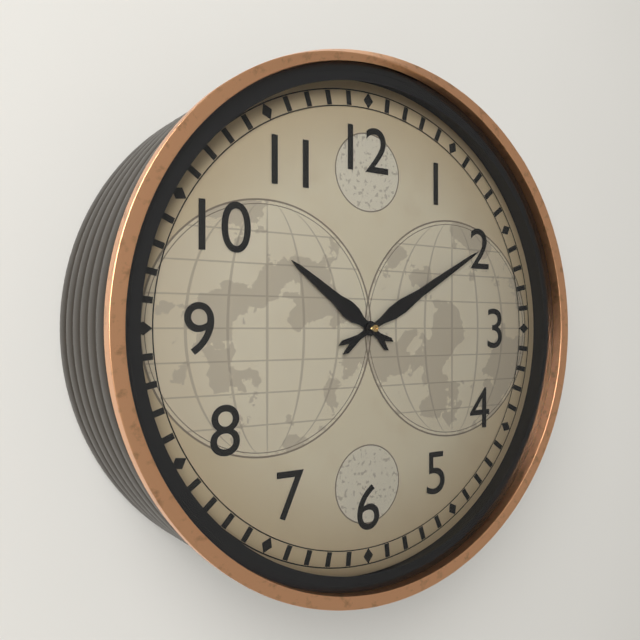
10:10
